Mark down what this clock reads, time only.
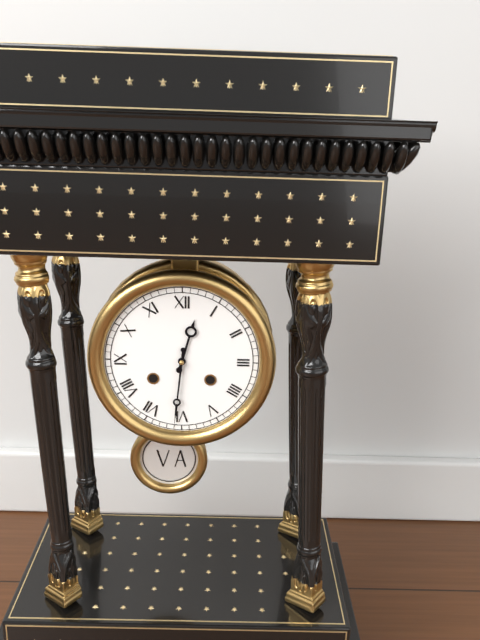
12:31
